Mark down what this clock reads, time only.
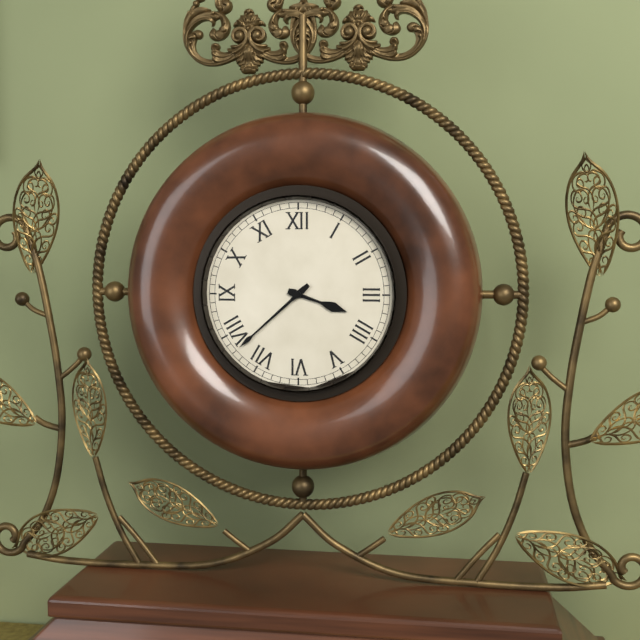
3:38
